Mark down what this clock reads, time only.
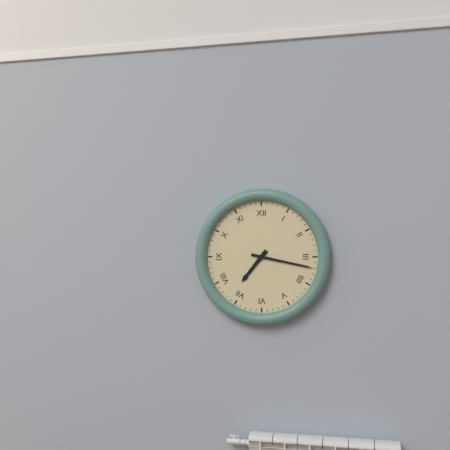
7:17
